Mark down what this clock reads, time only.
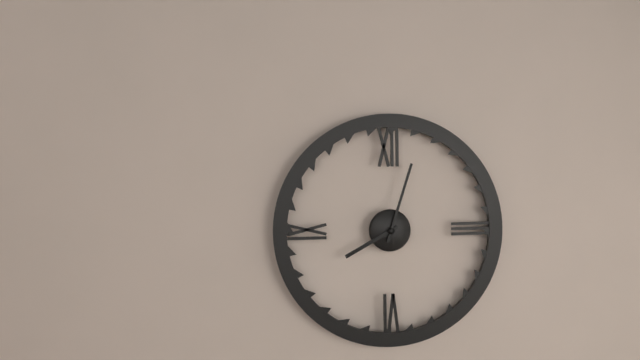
8:03
